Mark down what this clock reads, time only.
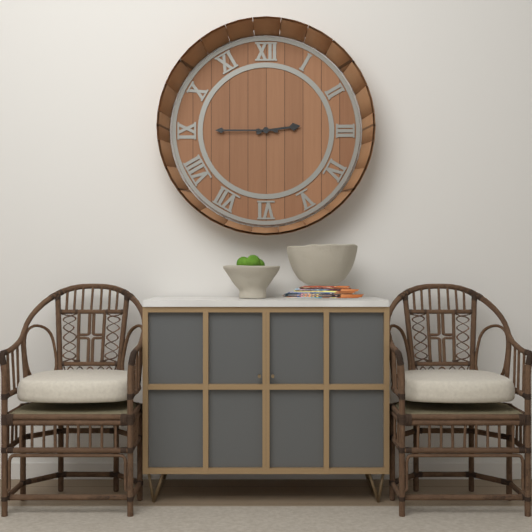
2:45
